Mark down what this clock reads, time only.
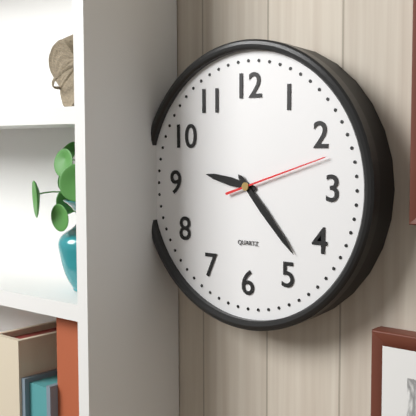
9:23:12
